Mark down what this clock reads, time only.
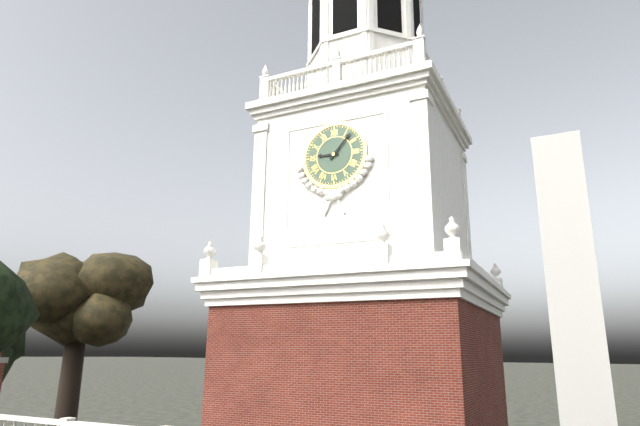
9:07
